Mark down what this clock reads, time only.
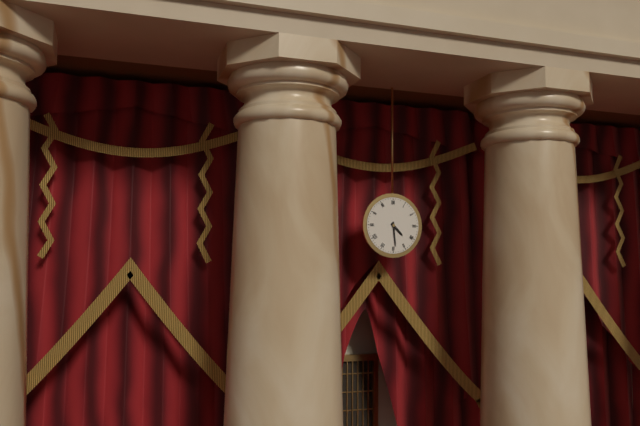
4:29
